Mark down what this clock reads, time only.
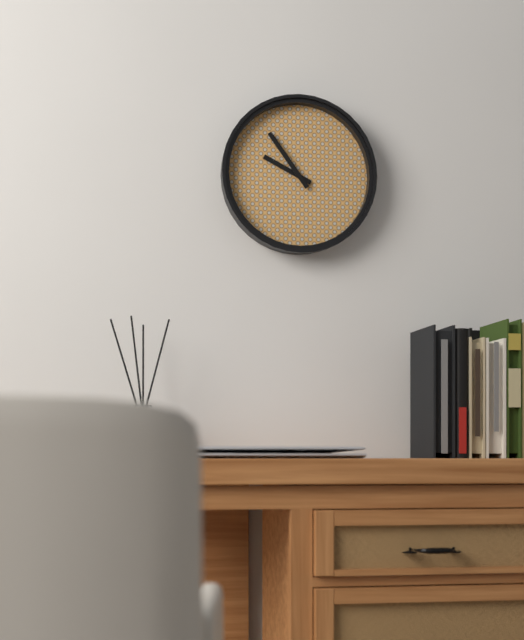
9:54
